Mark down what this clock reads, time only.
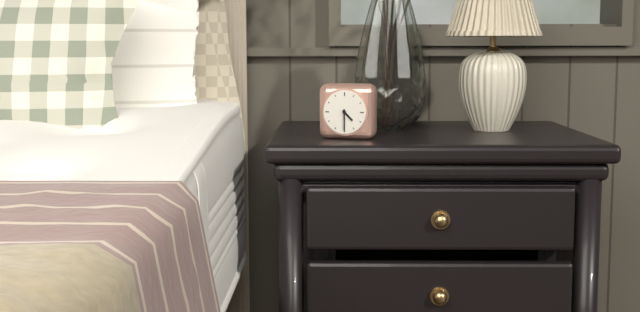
4:30
